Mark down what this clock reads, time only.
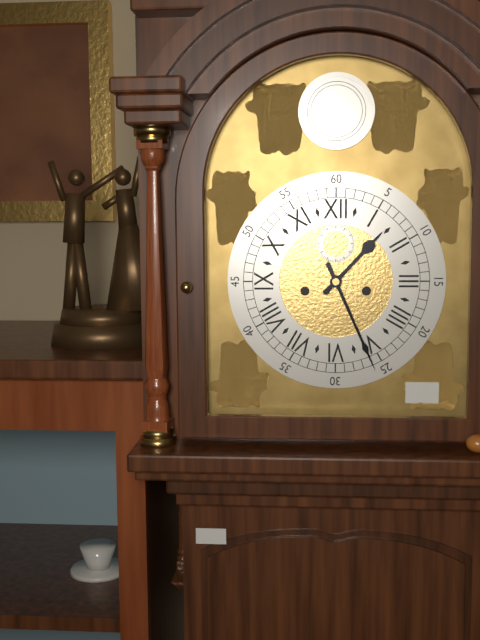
1:26
